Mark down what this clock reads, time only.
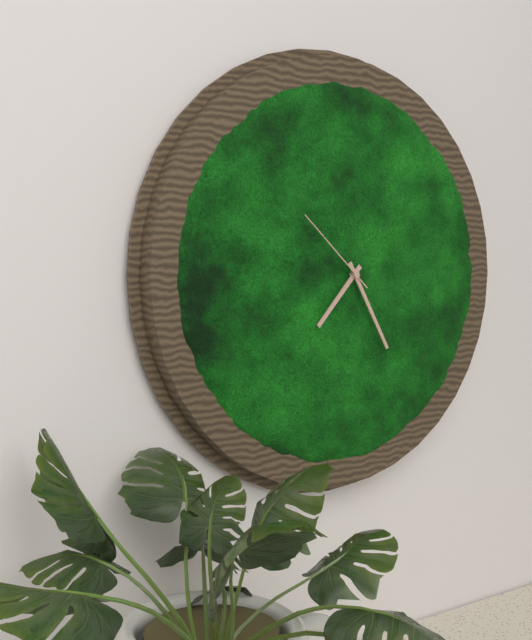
7:25:52
